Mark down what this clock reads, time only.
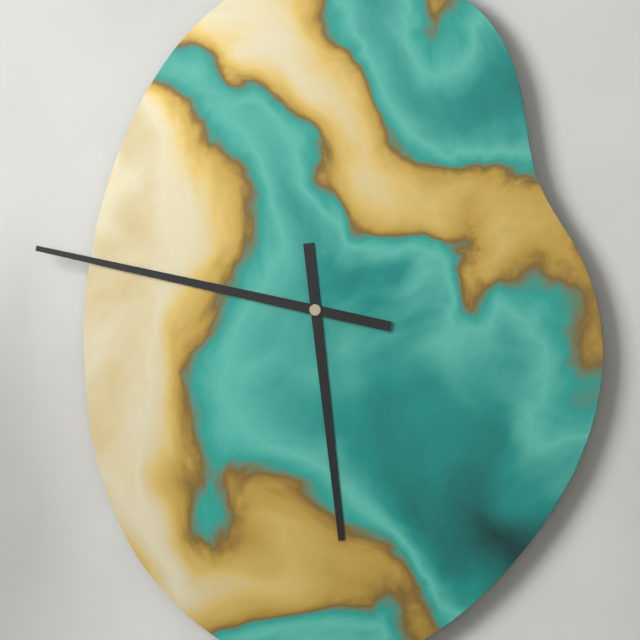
5:47
